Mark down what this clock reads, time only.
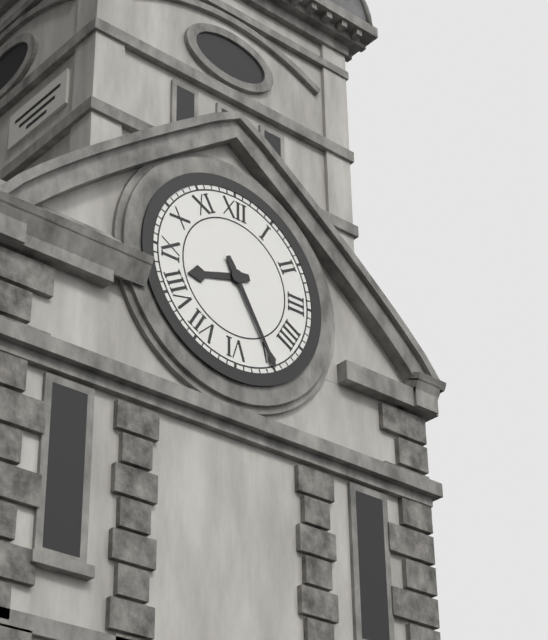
8:25
